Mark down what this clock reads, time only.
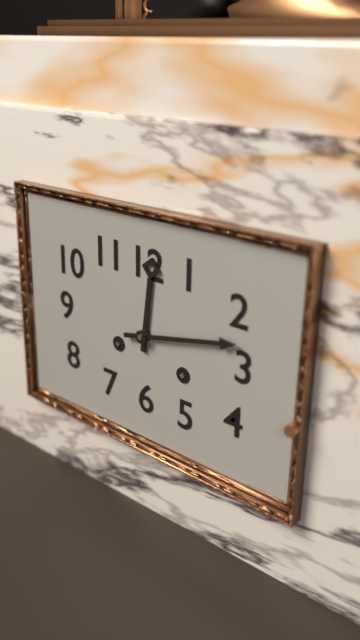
12:13
